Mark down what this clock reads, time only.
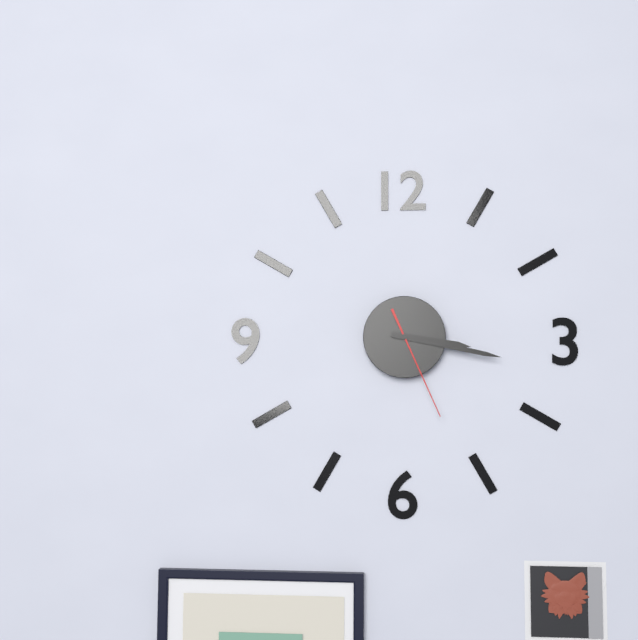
3:17:26
